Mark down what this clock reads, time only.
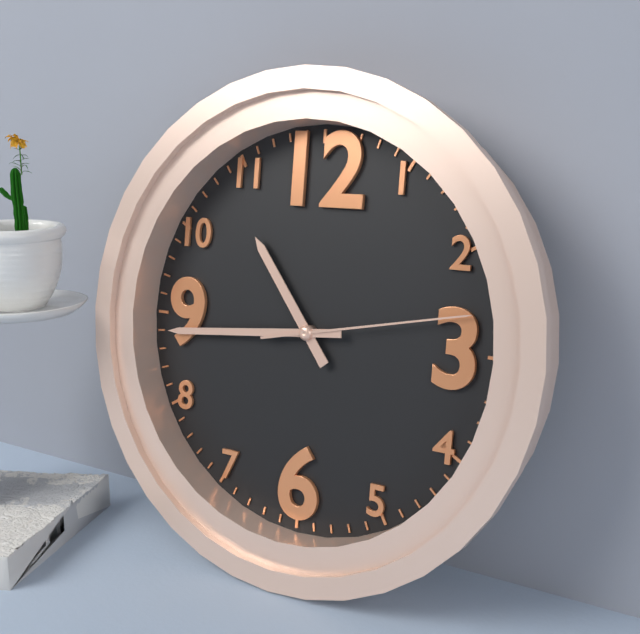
10:44:13
